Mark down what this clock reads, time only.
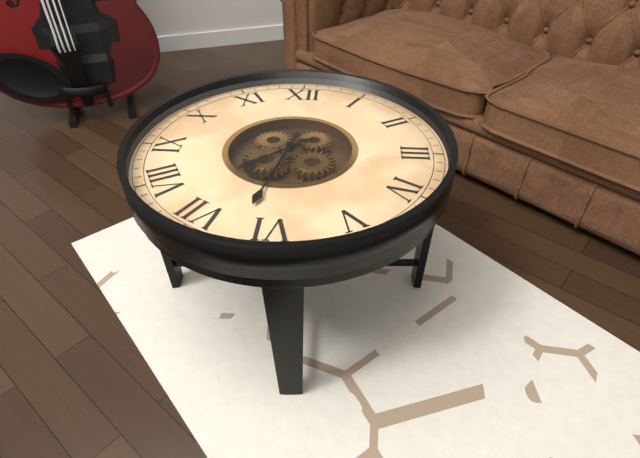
7:32
